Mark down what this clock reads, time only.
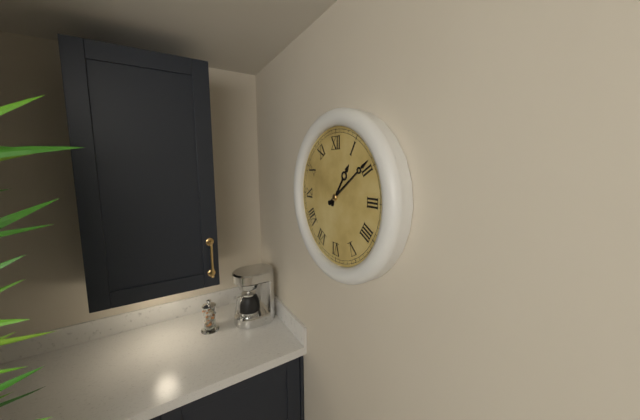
1:09
